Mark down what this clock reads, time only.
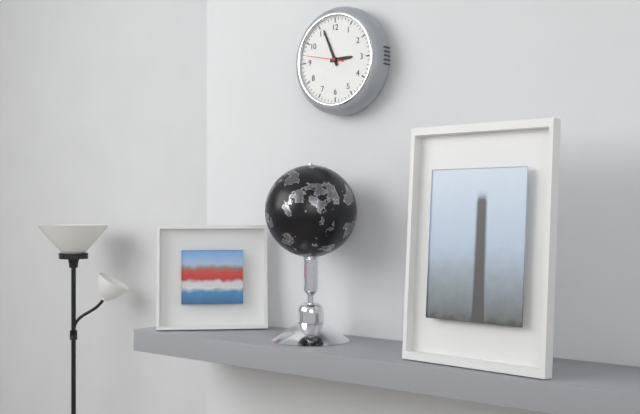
2:56:47
